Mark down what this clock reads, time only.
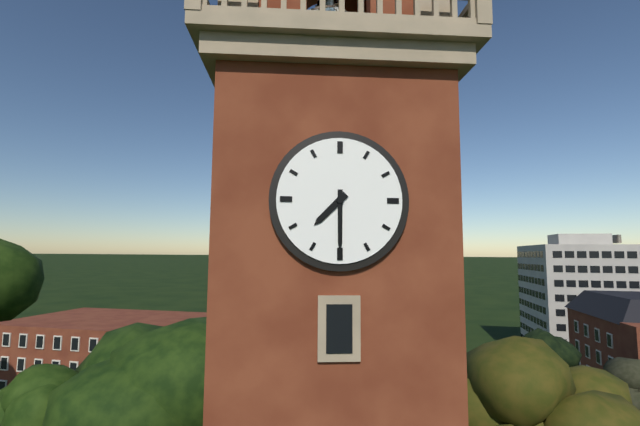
7:30
